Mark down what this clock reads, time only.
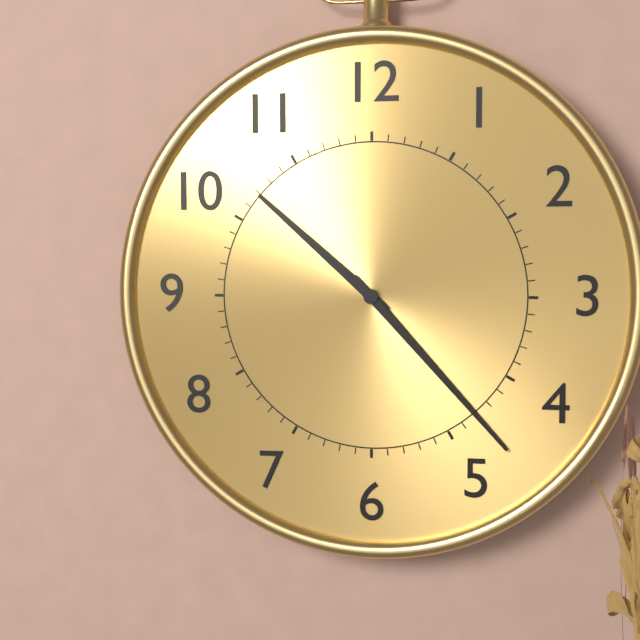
10:23
